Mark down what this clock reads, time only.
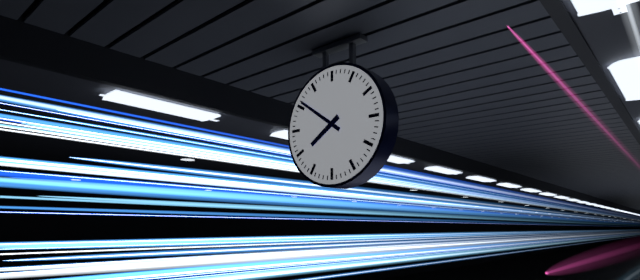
7:51
